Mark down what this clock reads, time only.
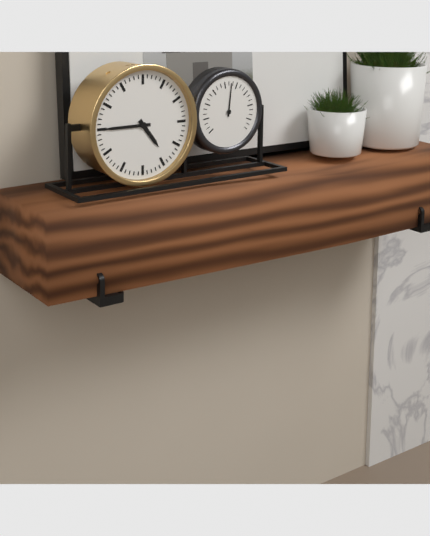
4:45
